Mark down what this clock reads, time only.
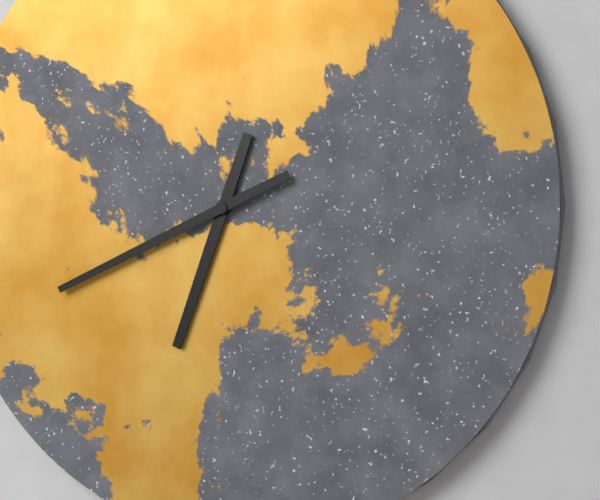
6:41
